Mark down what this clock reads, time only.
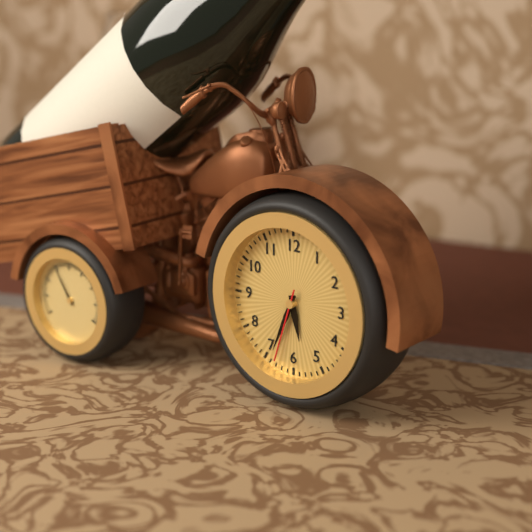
5:34:33
